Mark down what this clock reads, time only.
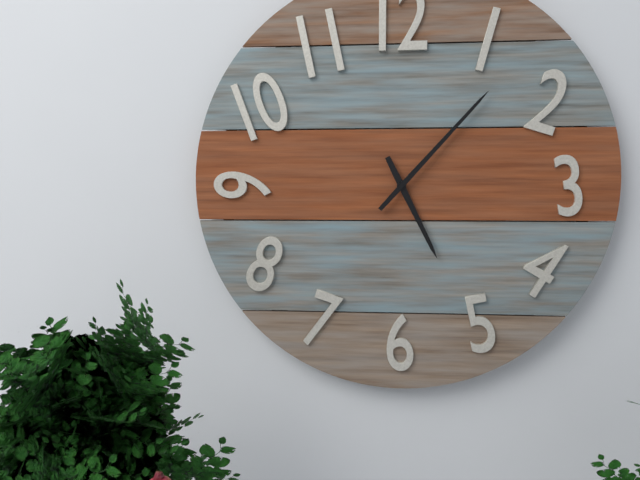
5:07
